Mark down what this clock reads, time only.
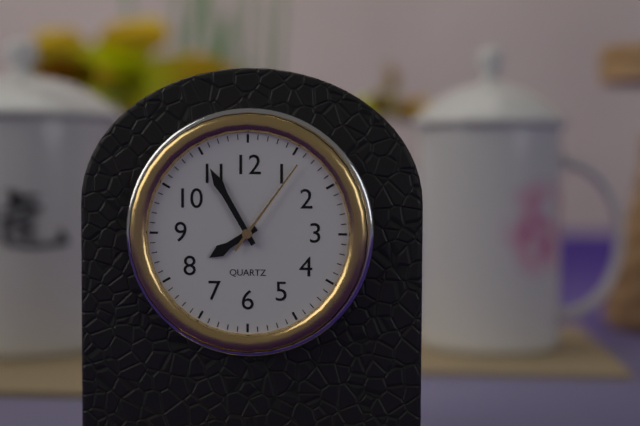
7:55:06
